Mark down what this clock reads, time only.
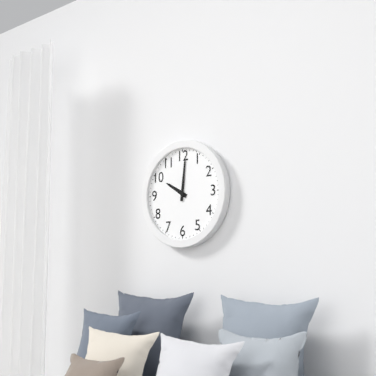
10:01
